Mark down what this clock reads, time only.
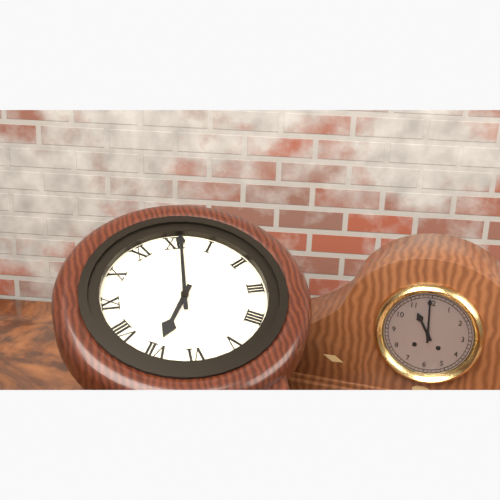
7:01
